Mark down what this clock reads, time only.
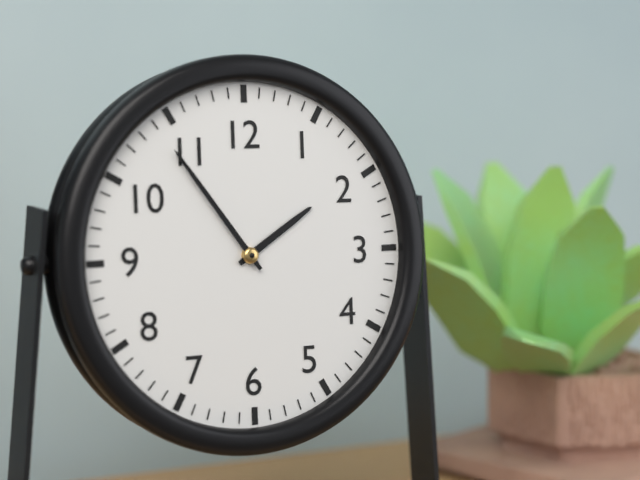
1:54
